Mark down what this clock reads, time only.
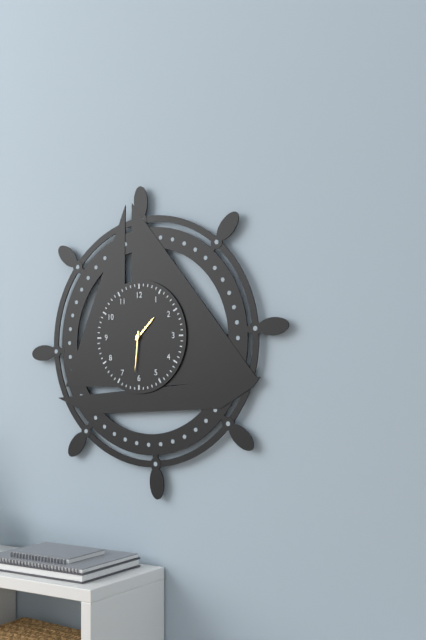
1:31
